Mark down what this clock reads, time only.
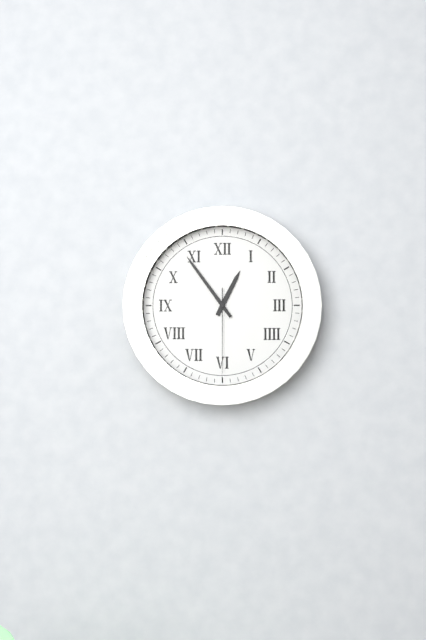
12:54:30
